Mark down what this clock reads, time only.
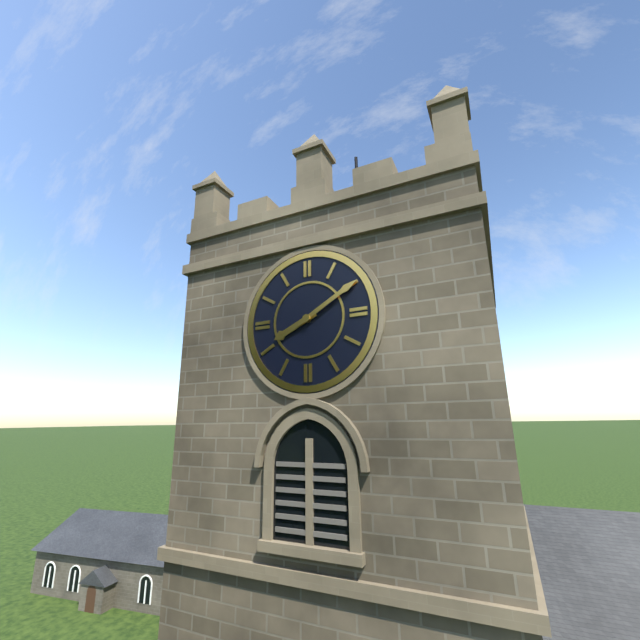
8:10
